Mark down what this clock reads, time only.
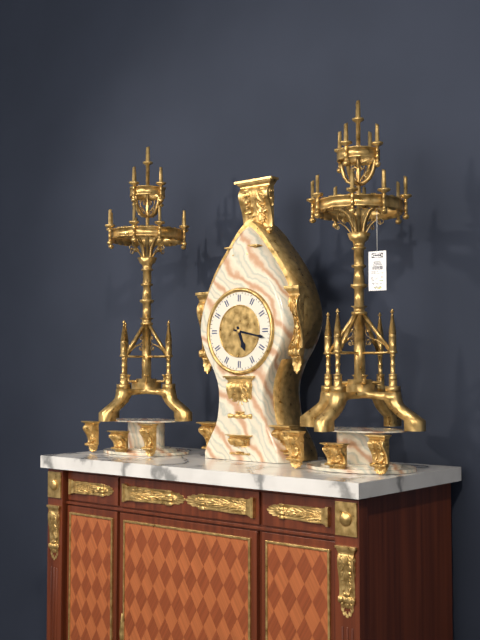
5:17
